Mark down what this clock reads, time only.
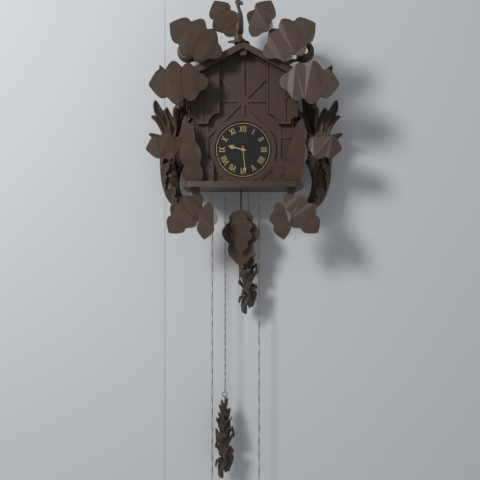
9:29
